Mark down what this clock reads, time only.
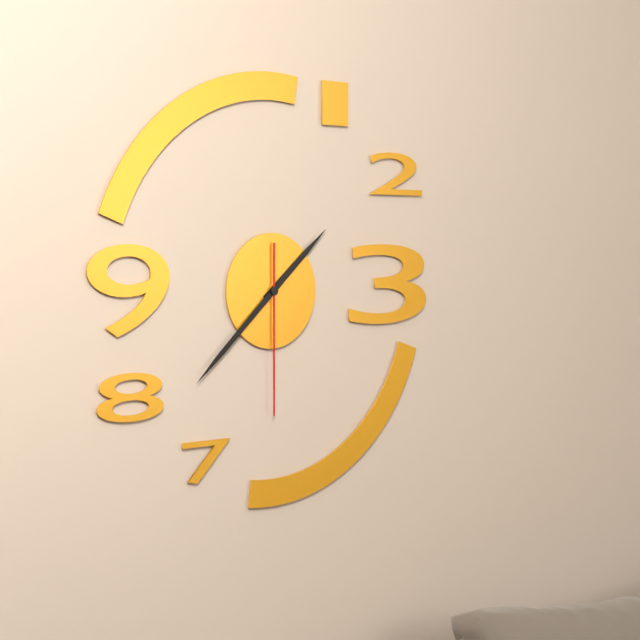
1:38:30
